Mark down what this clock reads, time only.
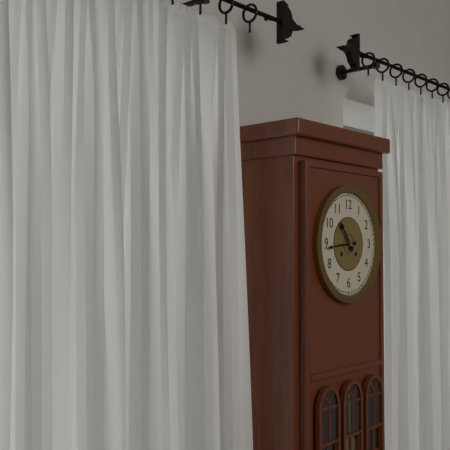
10:44
